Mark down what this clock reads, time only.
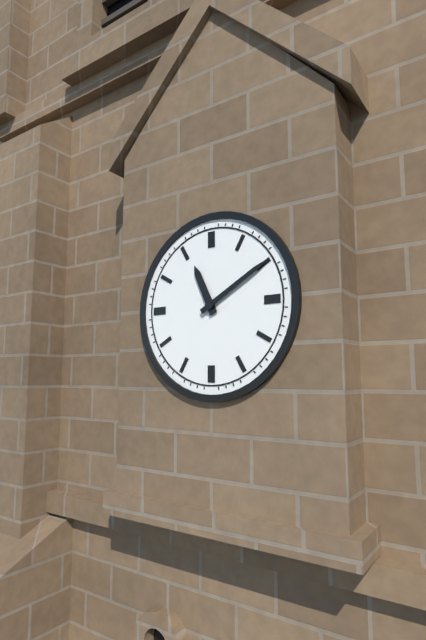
11:10
